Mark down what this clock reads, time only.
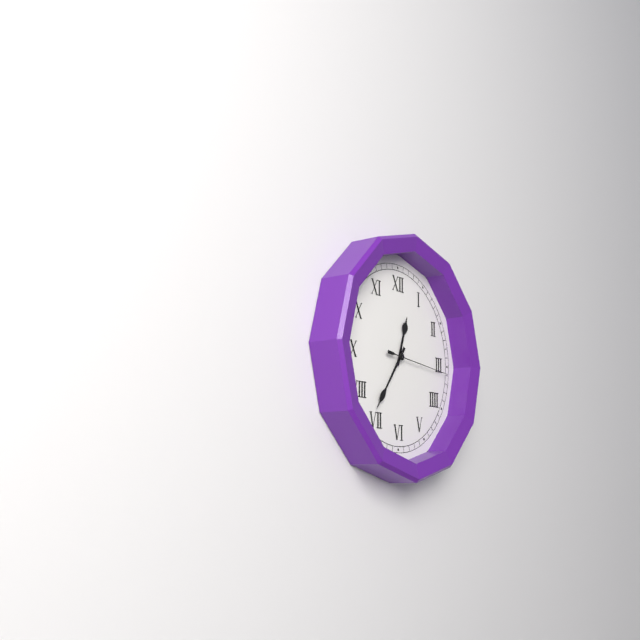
12:36:16
